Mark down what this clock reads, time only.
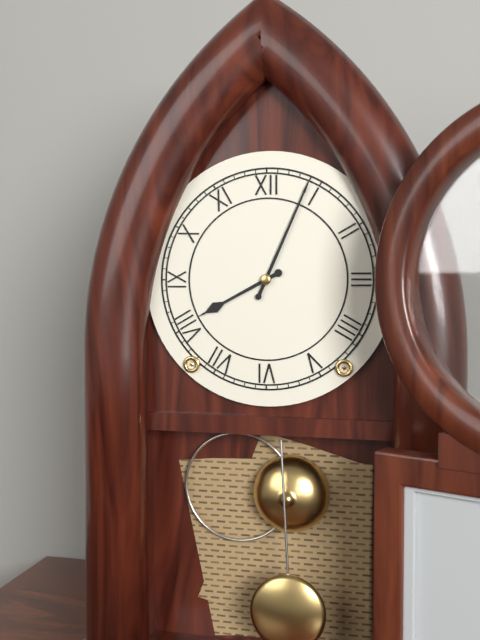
8:04
